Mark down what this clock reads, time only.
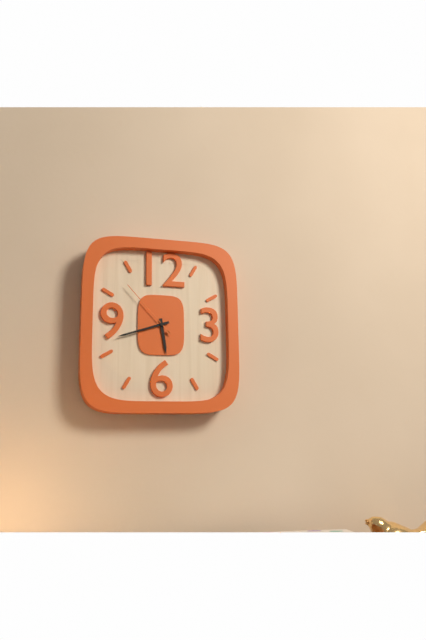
5:42:53
